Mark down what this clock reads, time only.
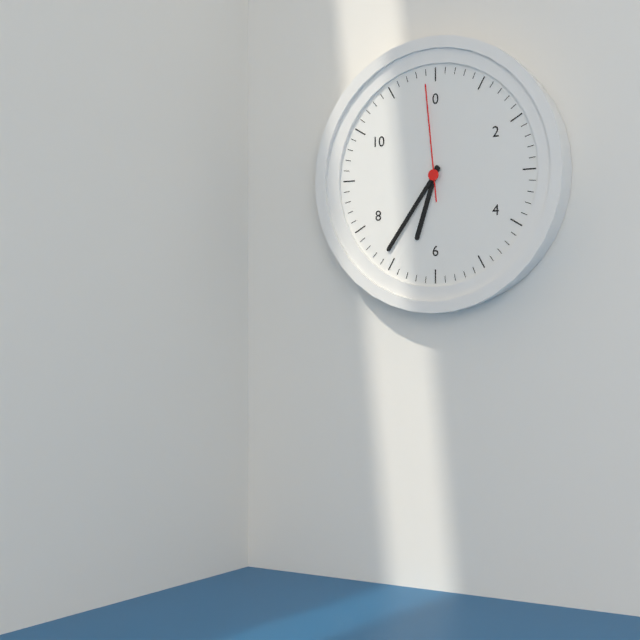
6:36:59
